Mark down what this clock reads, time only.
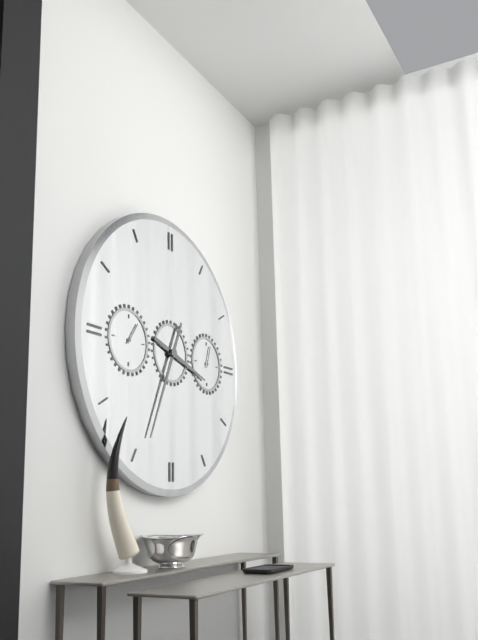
3:34
